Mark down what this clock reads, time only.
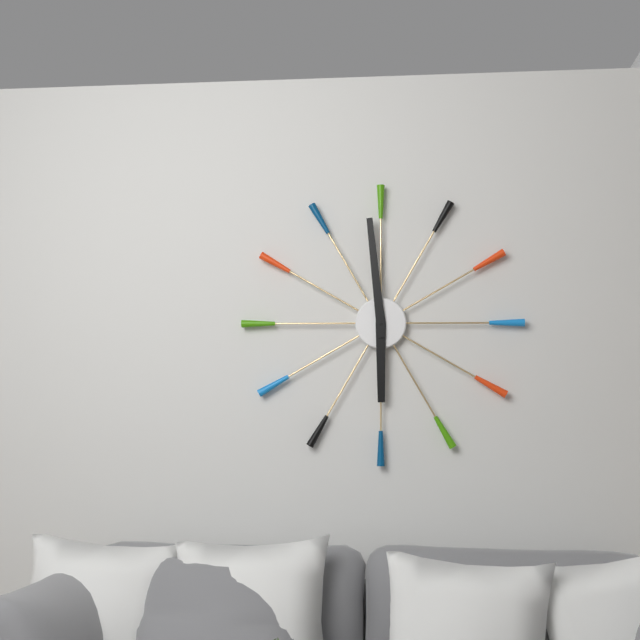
5:59
